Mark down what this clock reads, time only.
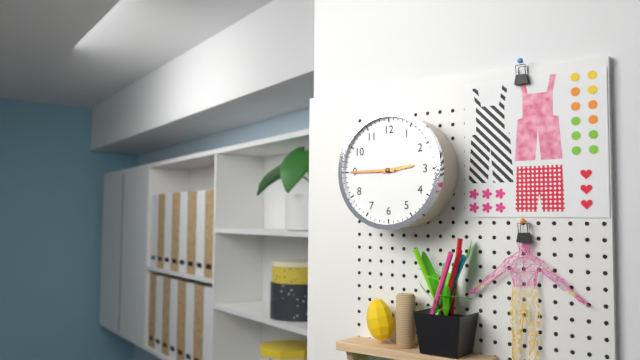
2:45
